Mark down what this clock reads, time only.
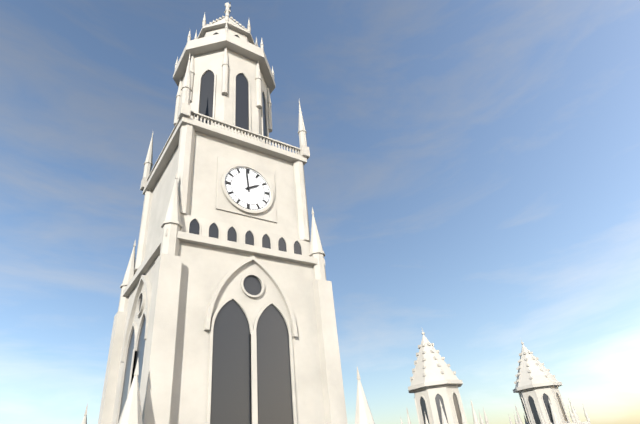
1:59
